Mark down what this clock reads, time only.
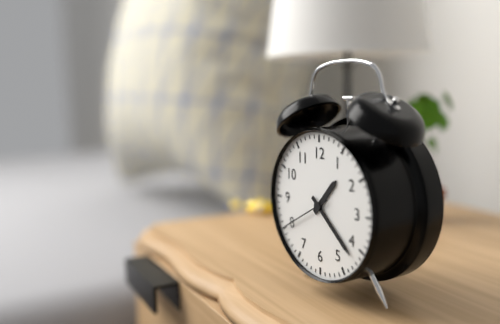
1:22
